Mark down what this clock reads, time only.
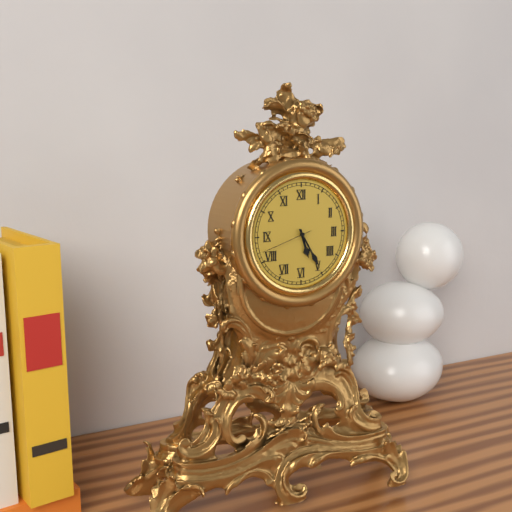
5:25:42
